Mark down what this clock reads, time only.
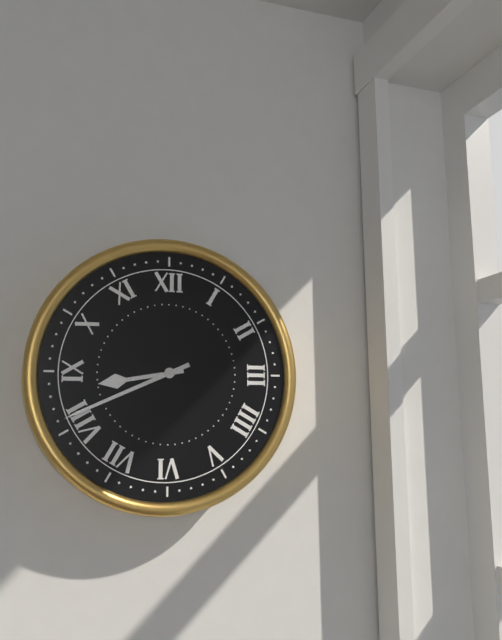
8:41
